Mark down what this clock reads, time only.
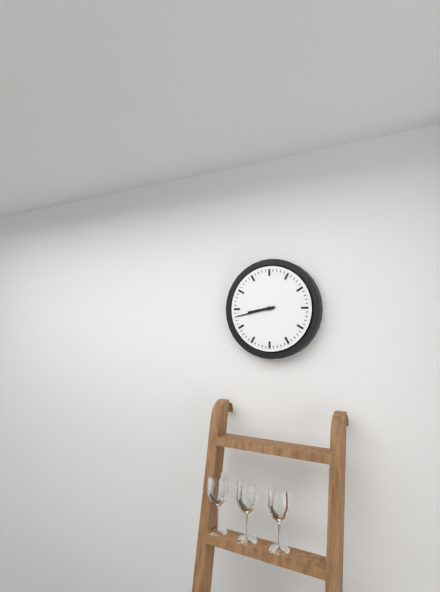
8:43
